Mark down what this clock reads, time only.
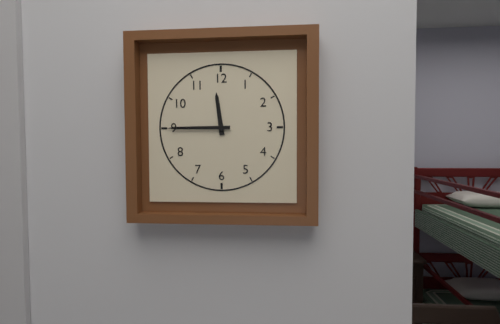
11:45
